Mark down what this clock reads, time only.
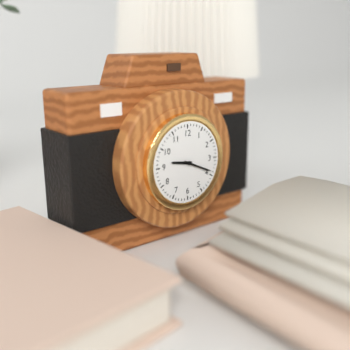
9:19
